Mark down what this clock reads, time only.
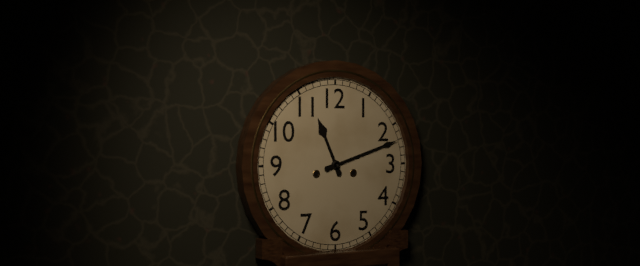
11:12
